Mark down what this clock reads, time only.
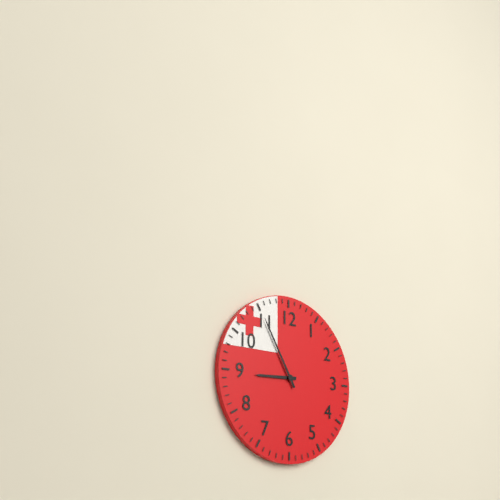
8:55
